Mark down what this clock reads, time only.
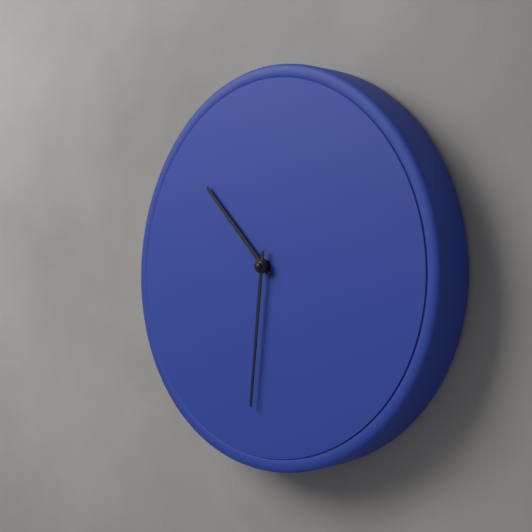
10:31
